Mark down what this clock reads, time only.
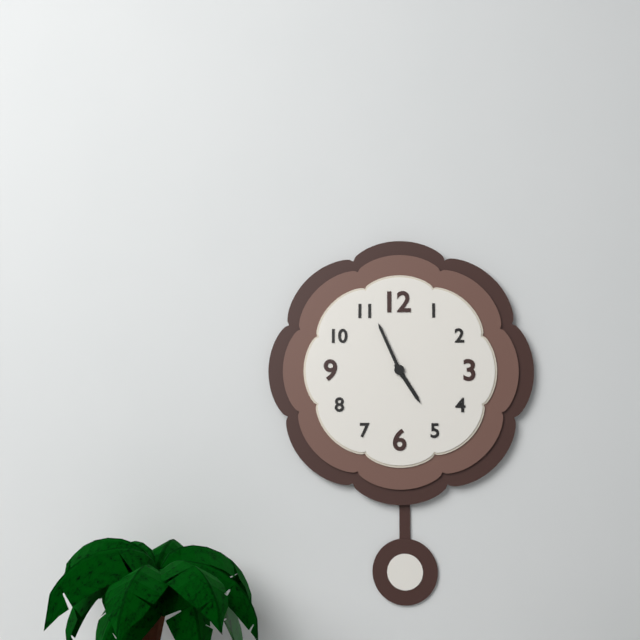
4:56
